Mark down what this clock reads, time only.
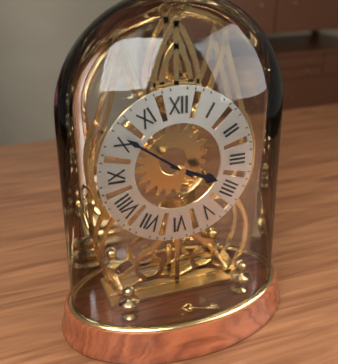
3:51
